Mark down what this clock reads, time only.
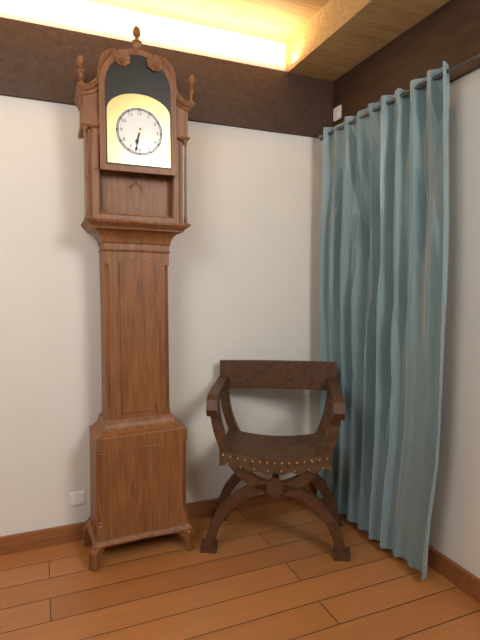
6:32
